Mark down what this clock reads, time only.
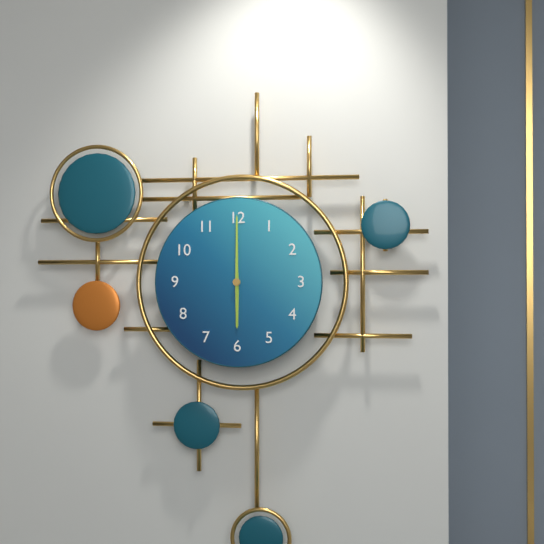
6:00
